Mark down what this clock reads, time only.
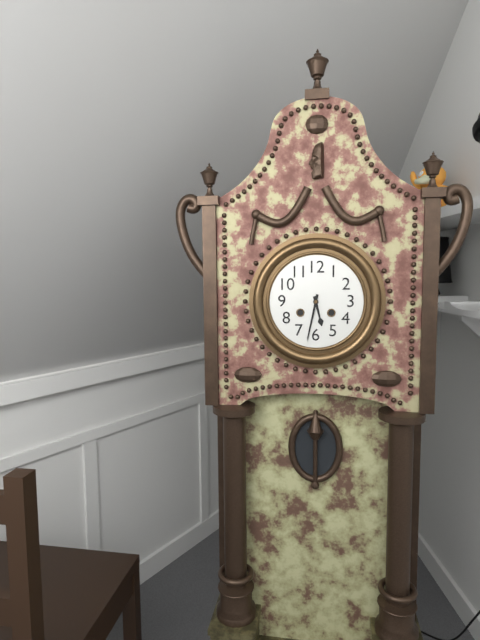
5:32
